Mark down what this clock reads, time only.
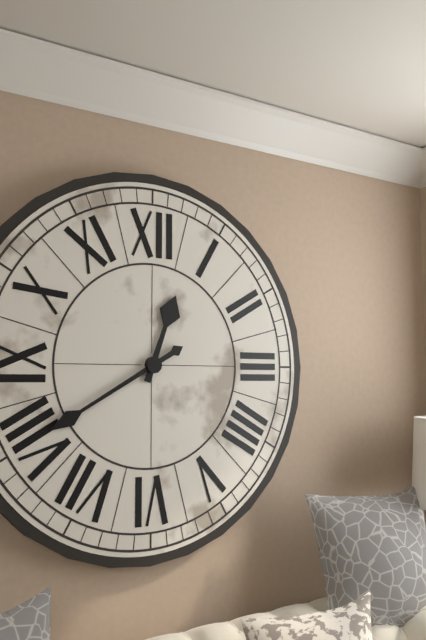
12:40
